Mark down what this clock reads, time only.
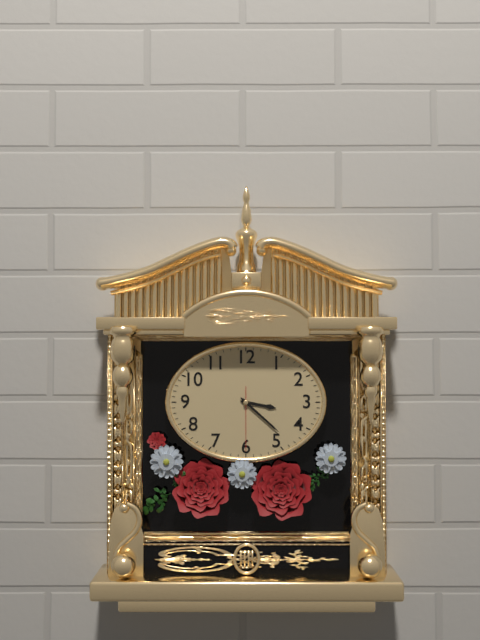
3:22:30
